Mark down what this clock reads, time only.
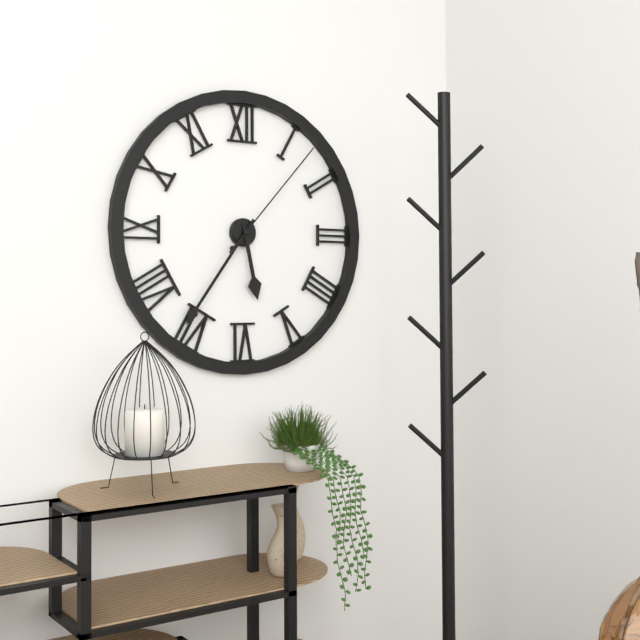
5:36:07
